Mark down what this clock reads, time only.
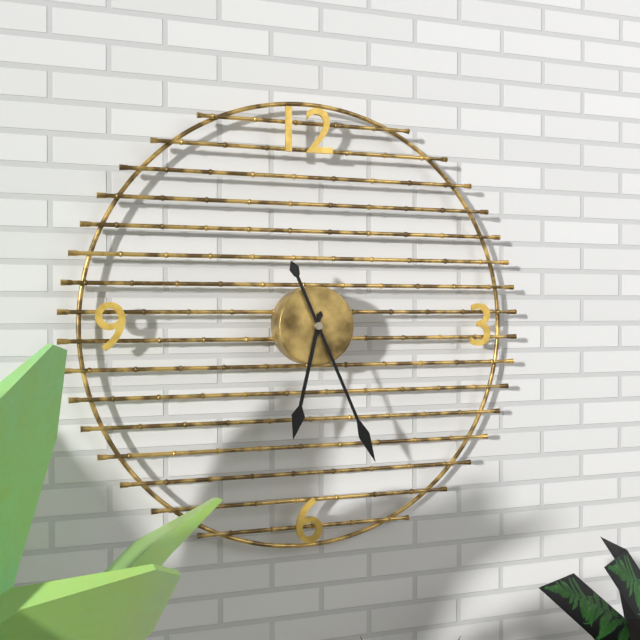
6:26
